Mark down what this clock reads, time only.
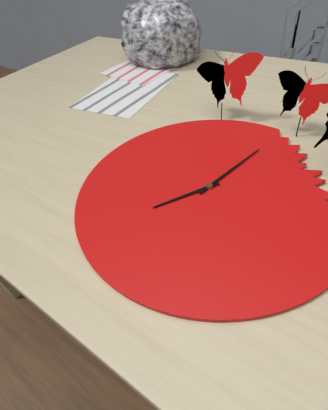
7:02
